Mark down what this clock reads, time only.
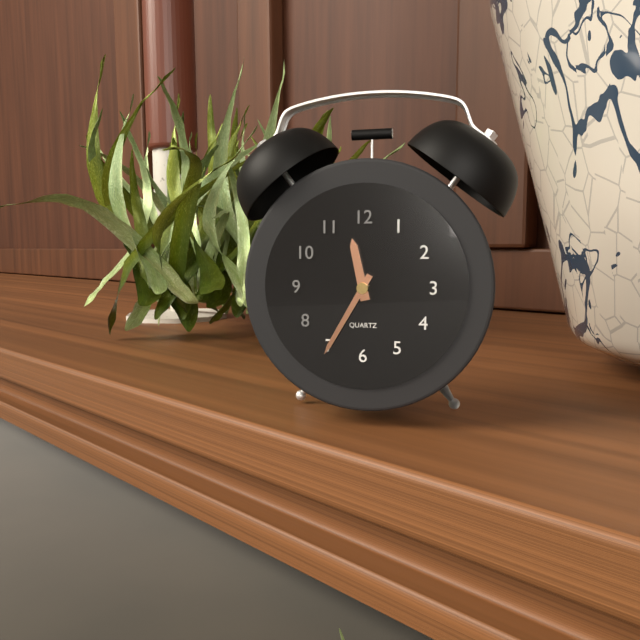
11:35
